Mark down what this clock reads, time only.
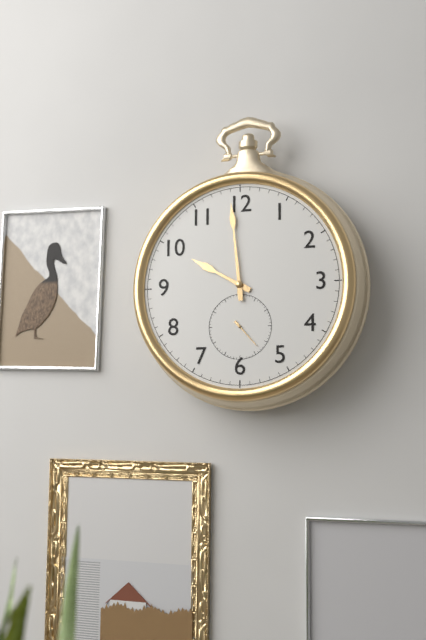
9:59
